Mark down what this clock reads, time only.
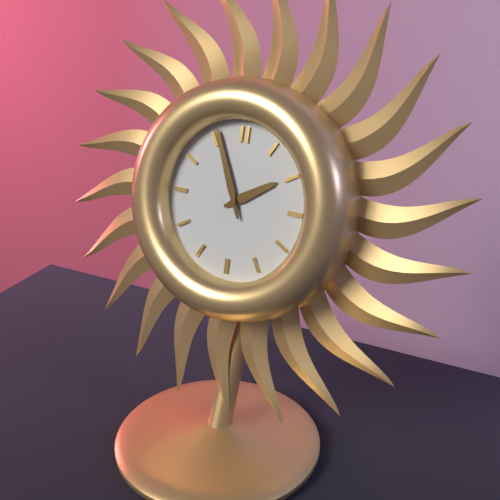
1:56
